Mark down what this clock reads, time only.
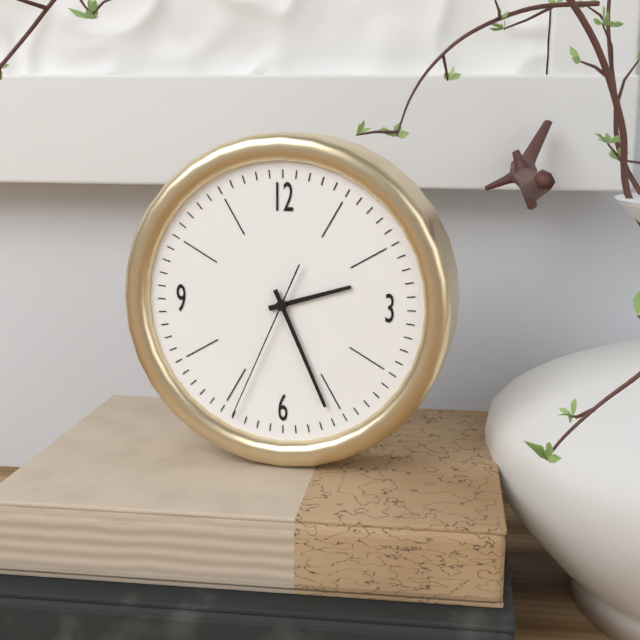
2:26:34
